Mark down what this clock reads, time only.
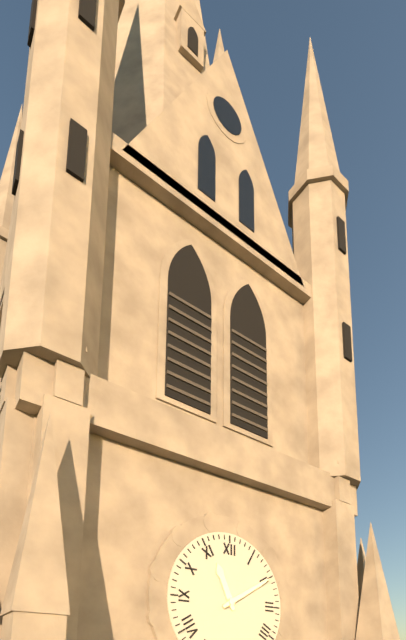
11:10
